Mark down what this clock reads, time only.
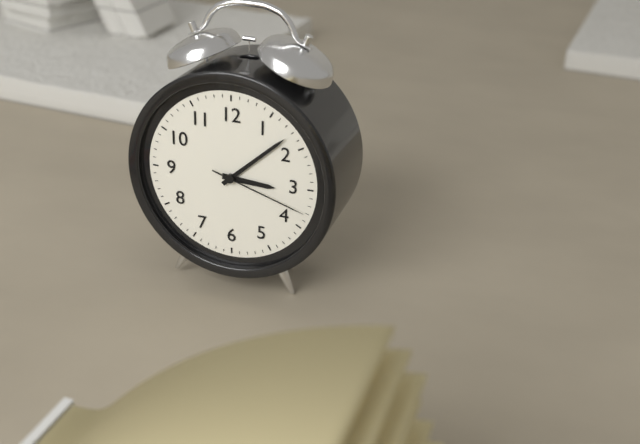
3:08:18
